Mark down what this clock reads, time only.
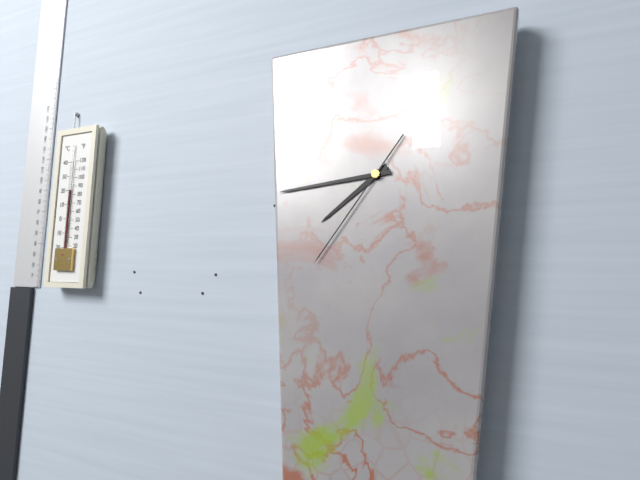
7:44:36
